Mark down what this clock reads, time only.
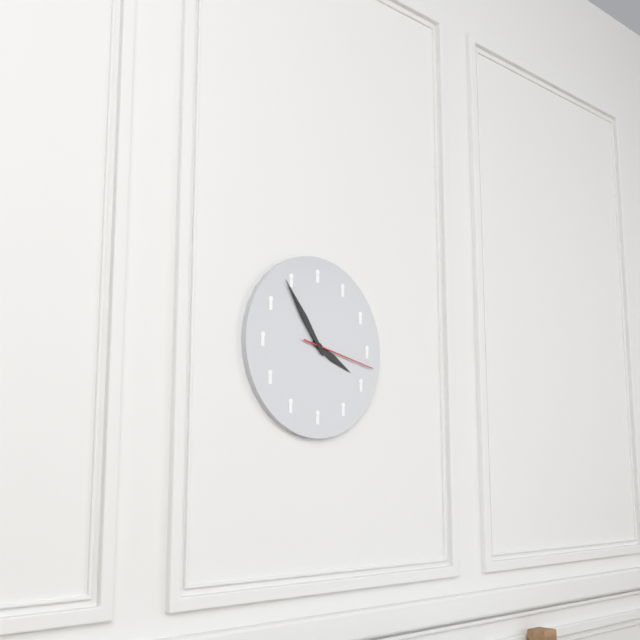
3:54:17
